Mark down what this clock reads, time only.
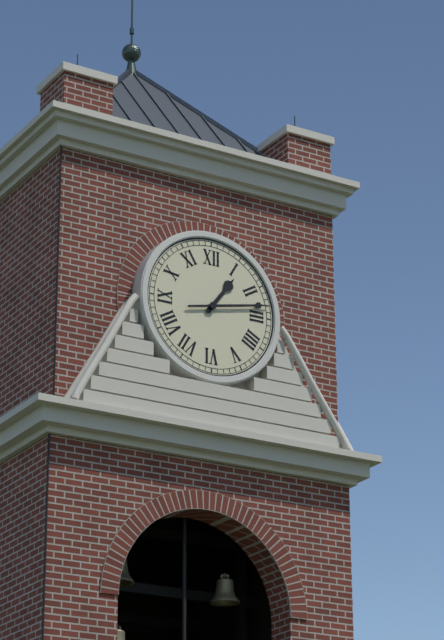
1:13
